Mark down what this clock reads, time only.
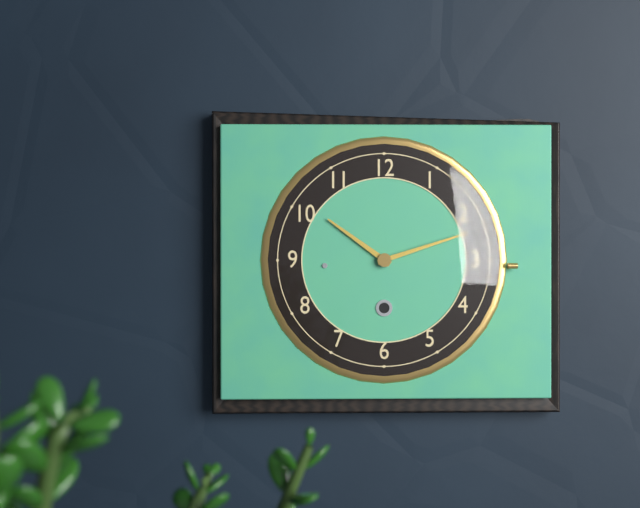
10:12
